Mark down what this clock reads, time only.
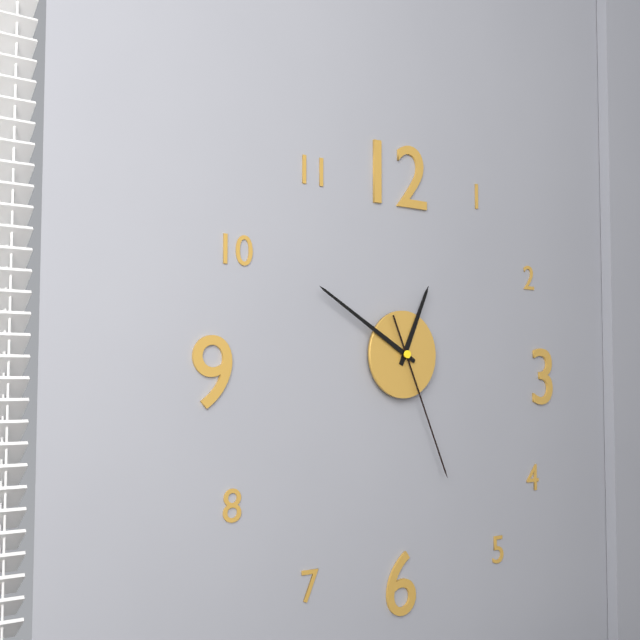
12:50:26
